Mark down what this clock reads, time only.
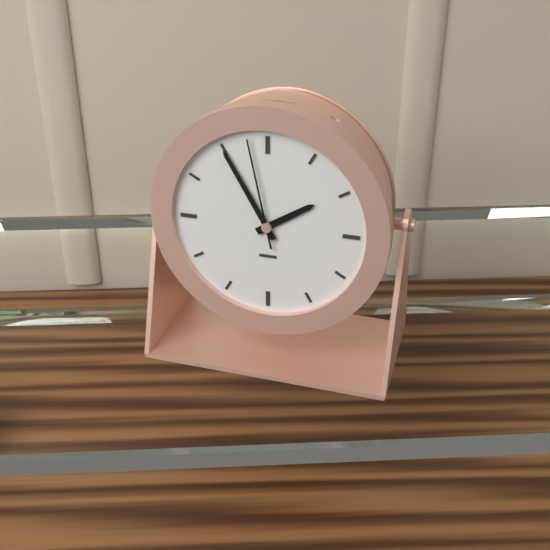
1:55:58
